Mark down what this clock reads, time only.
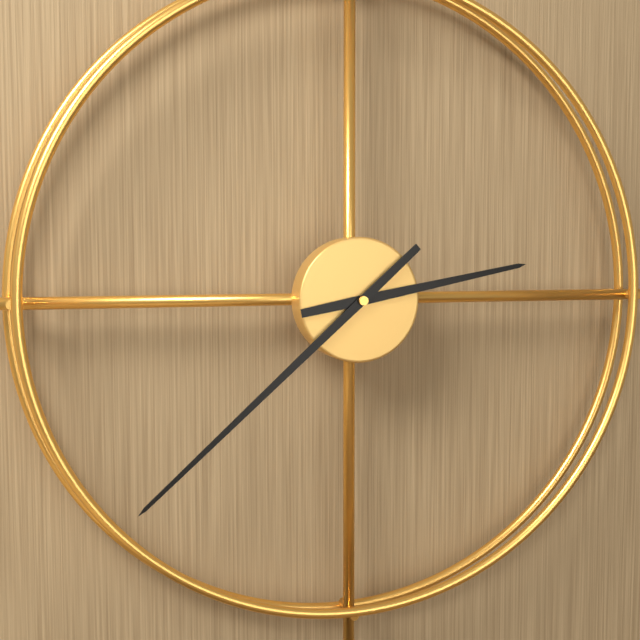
2:38
